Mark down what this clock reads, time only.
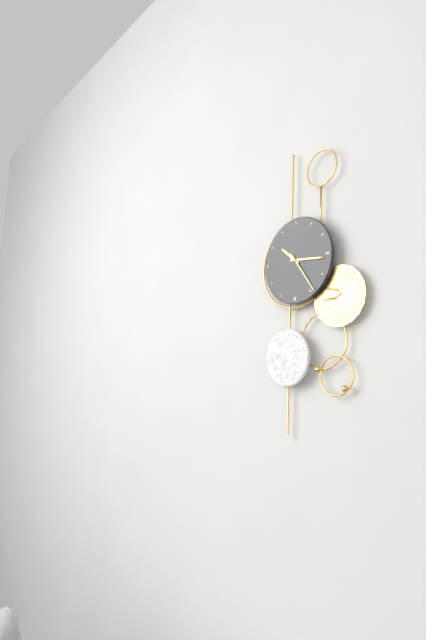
10:16
